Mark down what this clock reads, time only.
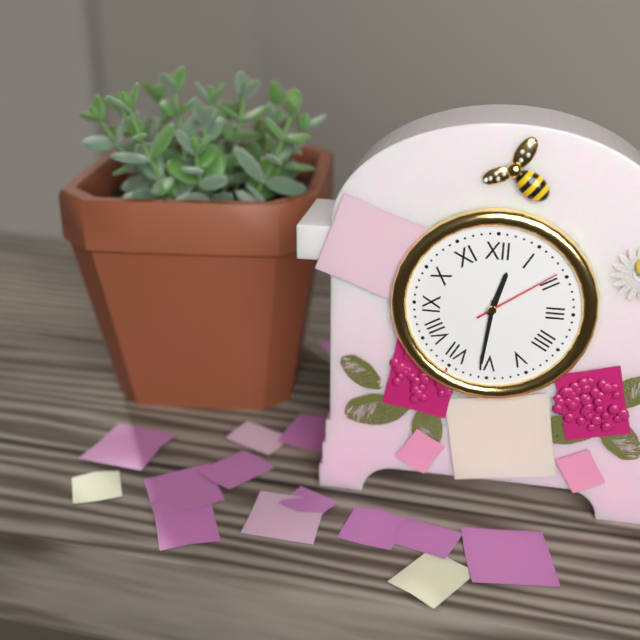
12:31:09
